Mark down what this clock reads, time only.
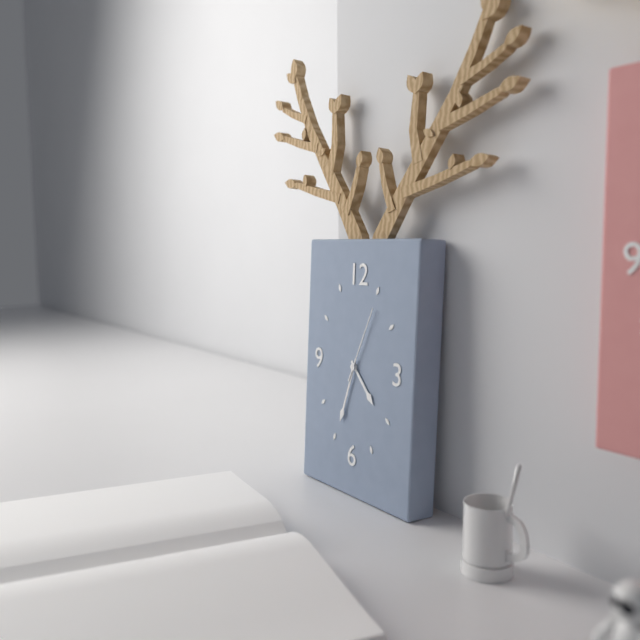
4:33:04
